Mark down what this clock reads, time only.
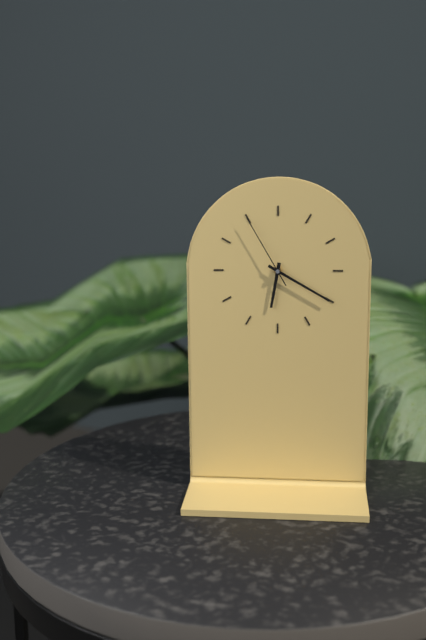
6:20:55
